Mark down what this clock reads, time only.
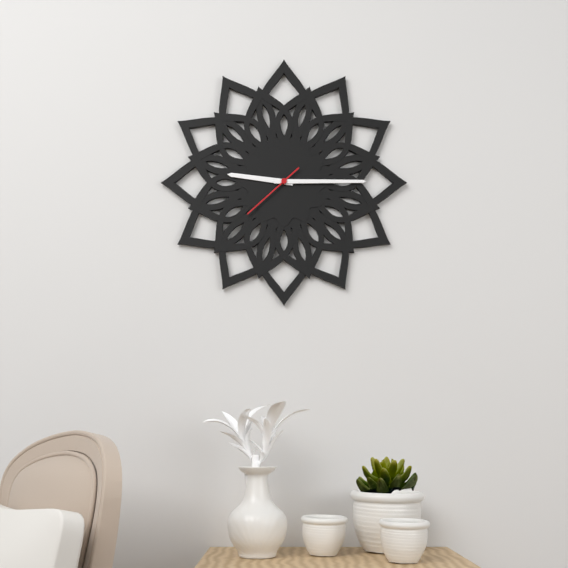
9:15:38
